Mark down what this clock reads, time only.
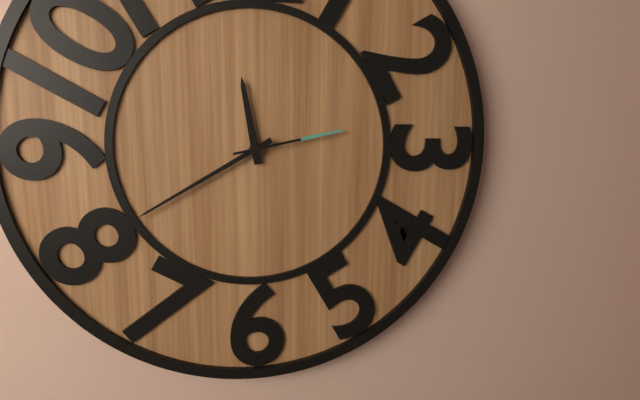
11:40:13
